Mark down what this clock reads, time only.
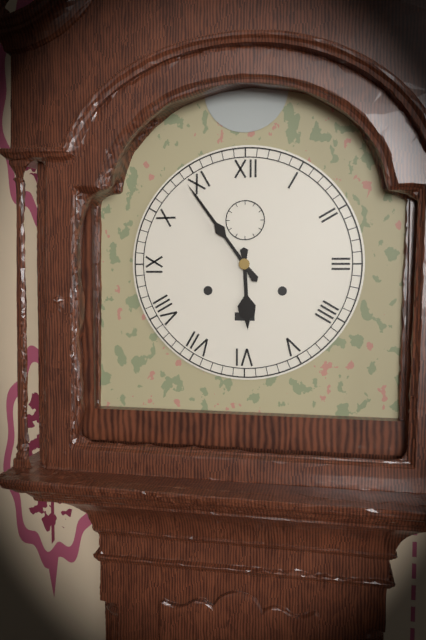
5:54
